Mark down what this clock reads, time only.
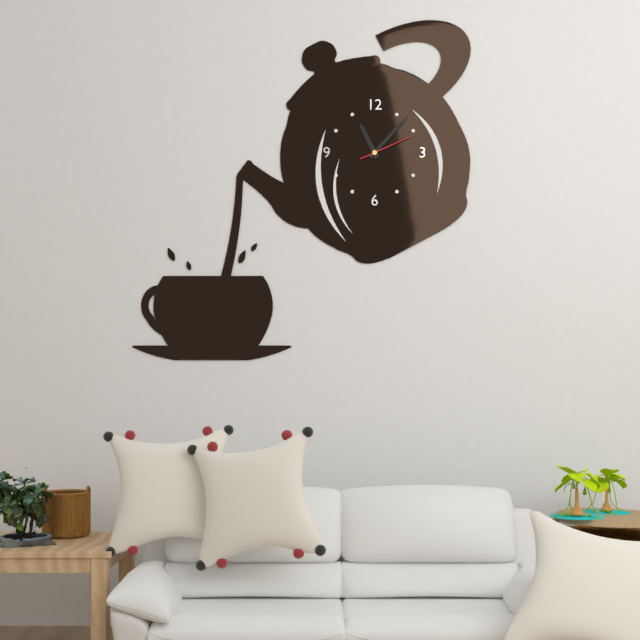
11:07:11
